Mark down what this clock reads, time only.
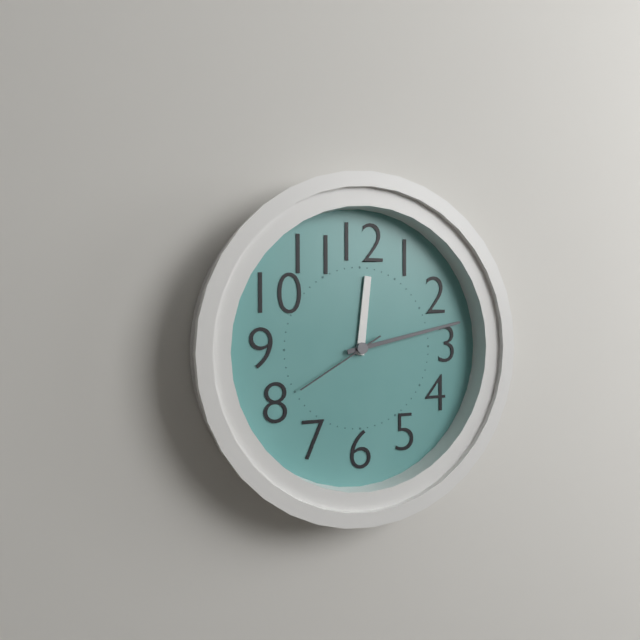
12:13:40
